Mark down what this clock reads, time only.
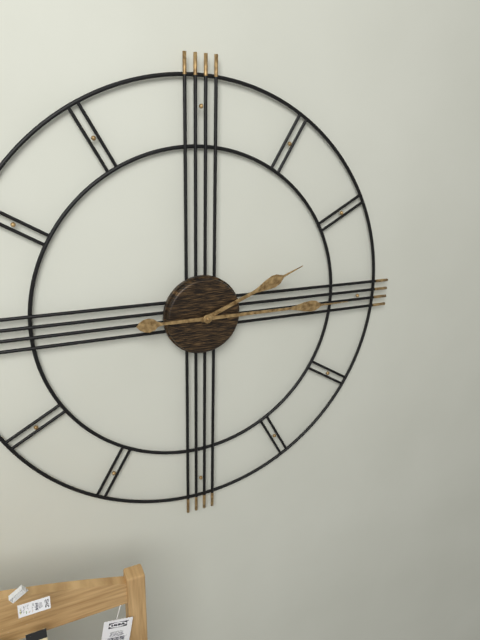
2:15
